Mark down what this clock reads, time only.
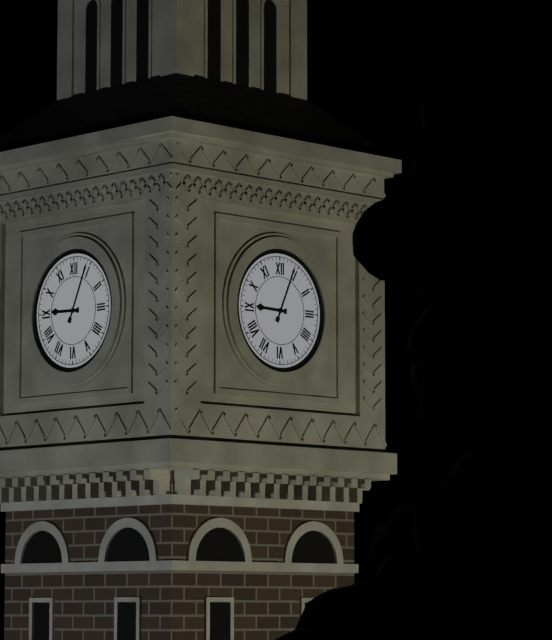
9:04
